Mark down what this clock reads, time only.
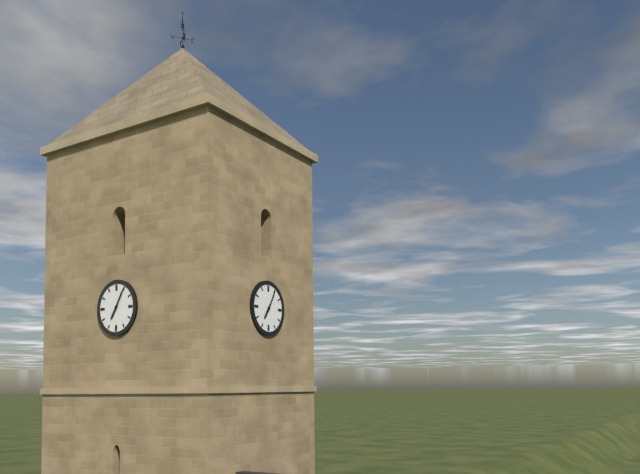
7:05
